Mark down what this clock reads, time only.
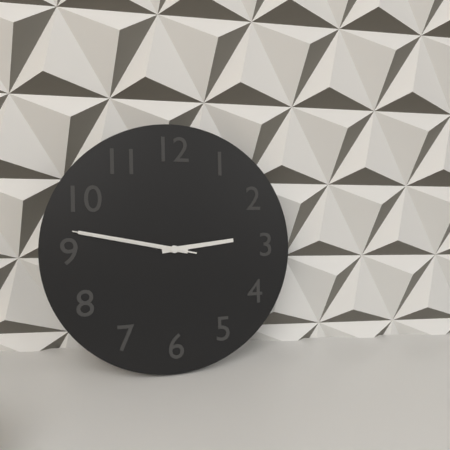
2:47:47
